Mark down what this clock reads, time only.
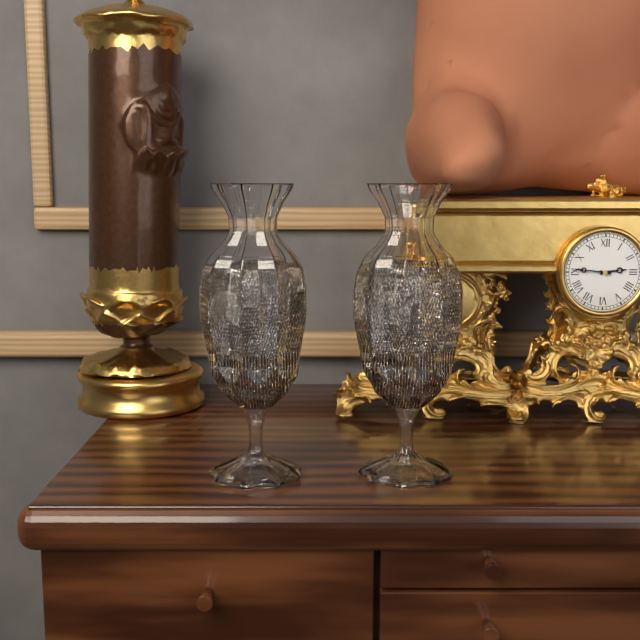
2:46
